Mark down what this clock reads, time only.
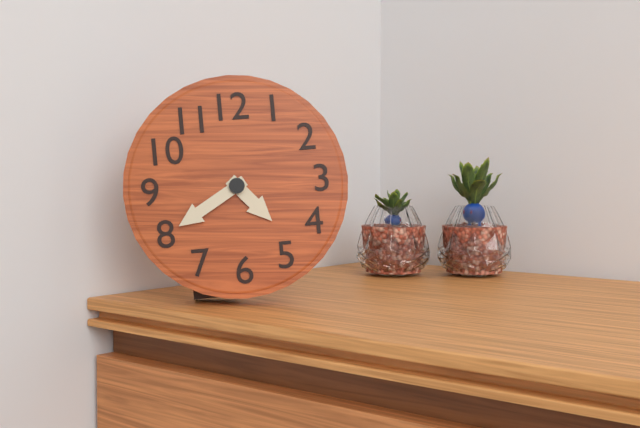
4:40
